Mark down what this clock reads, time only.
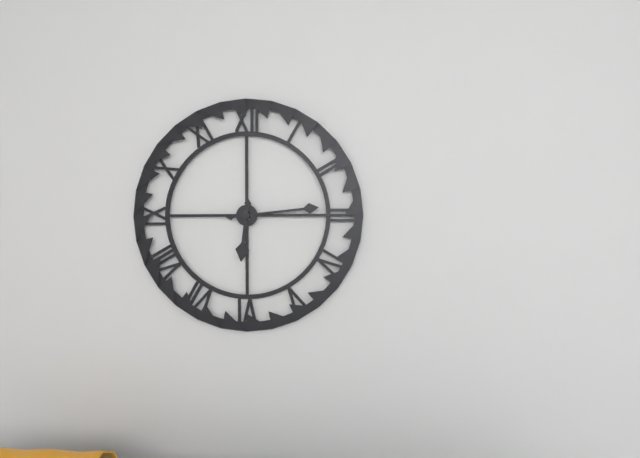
6:14
